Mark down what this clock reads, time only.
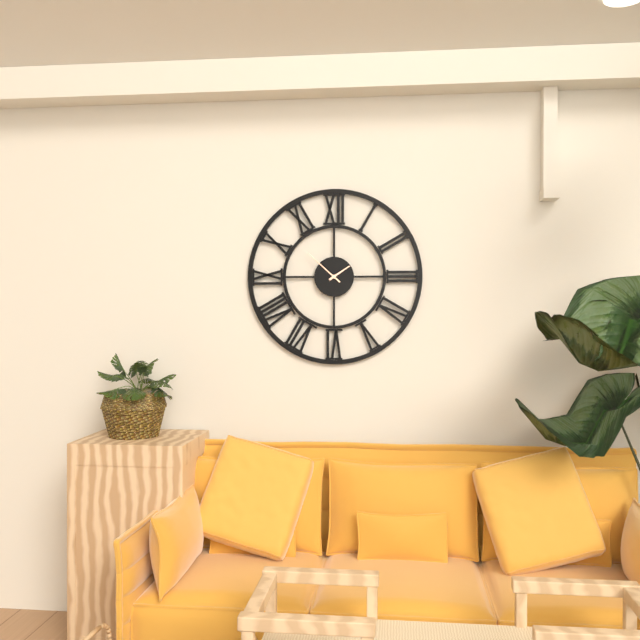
1:52
